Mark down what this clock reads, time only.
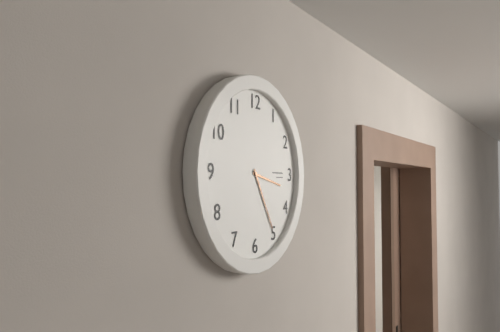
3:25
